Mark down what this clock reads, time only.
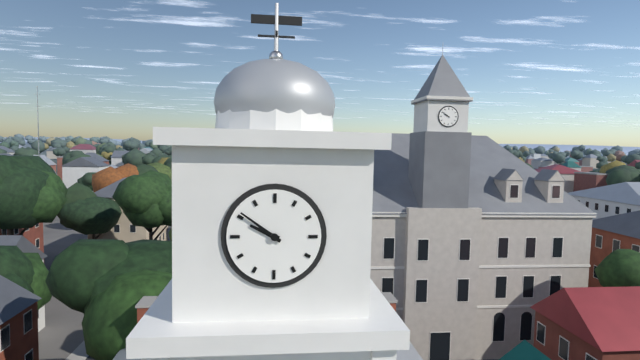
9:51
